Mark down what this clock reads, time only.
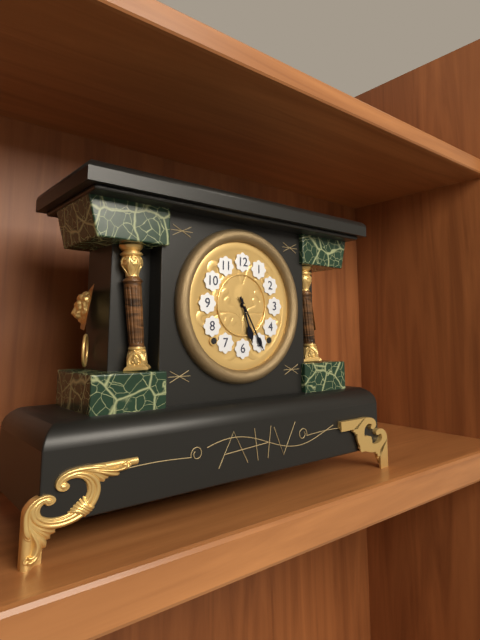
5:25
